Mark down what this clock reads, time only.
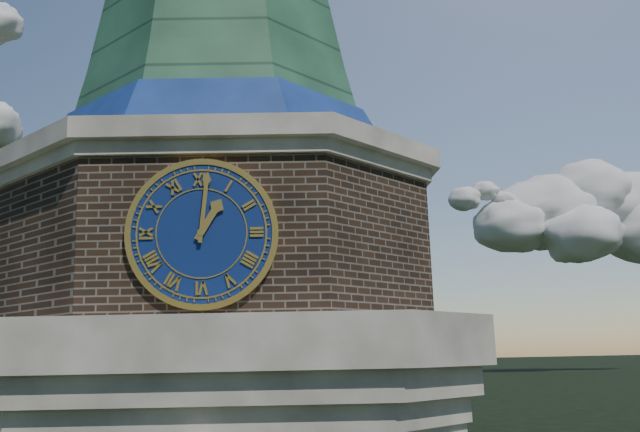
1:01
